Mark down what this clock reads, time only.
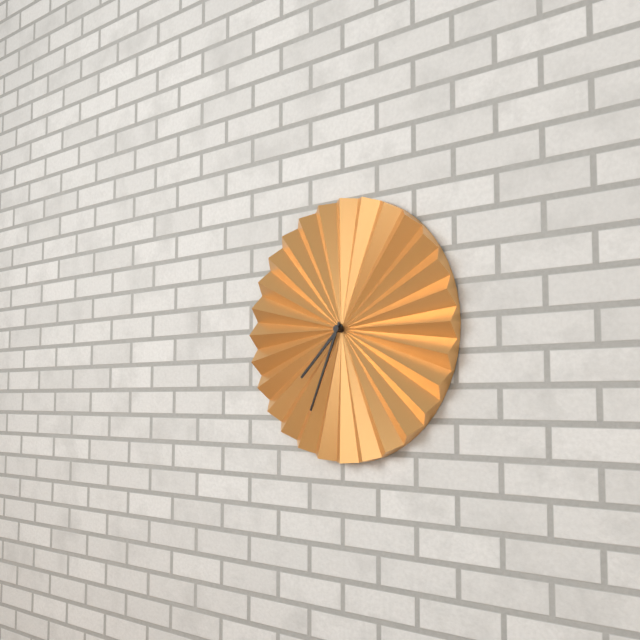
7:34
